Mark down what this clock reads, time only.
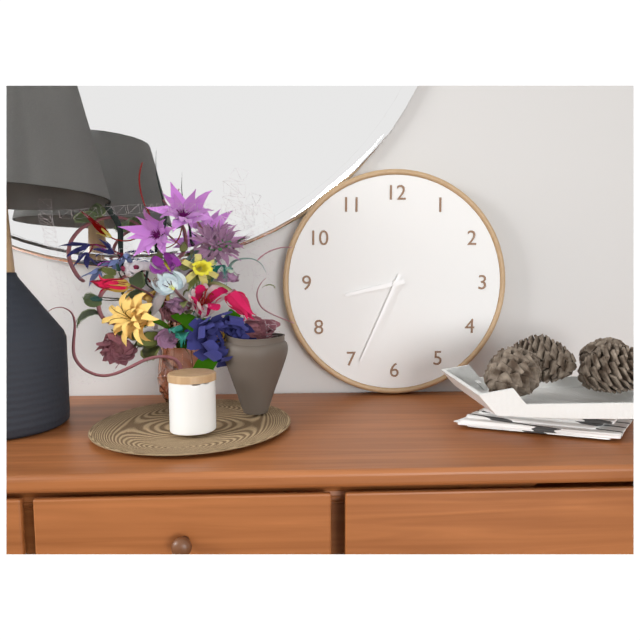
8:34
